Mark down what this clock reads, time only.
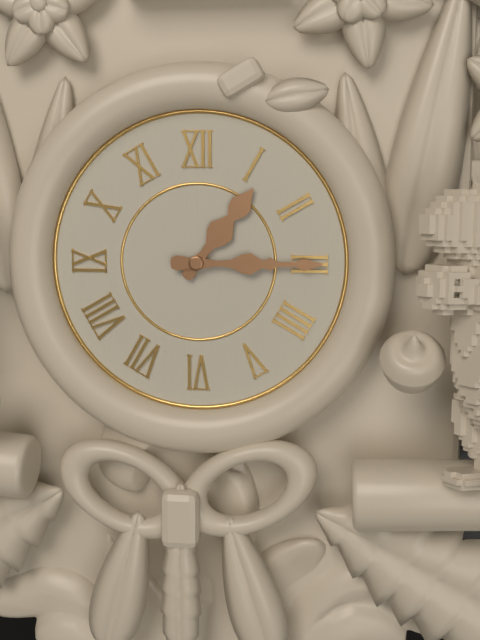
1:15
